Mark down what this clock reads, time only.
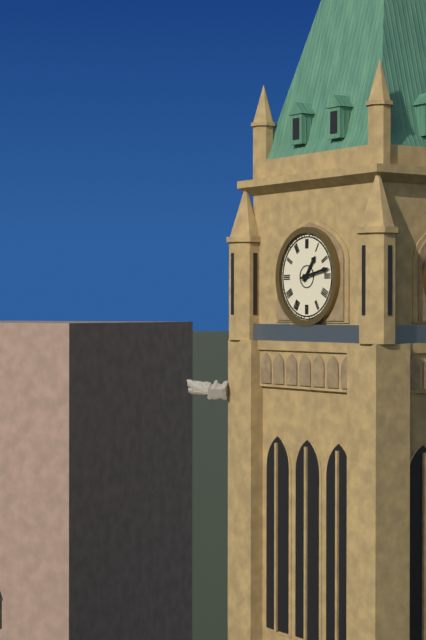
1:13
